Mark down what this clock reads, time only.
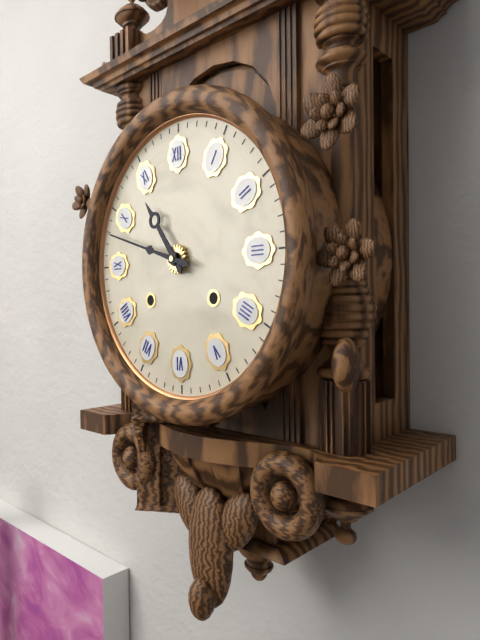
10:48
